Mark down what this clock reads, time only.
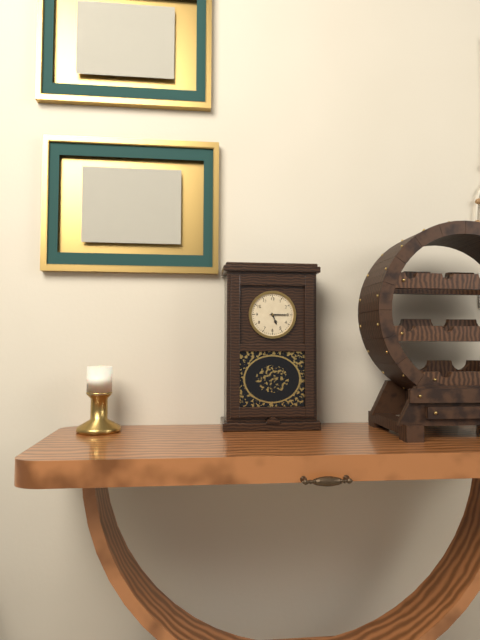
5:15
